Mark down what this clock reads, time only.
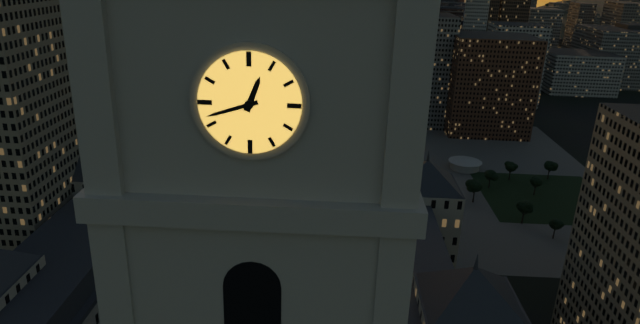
12:42
